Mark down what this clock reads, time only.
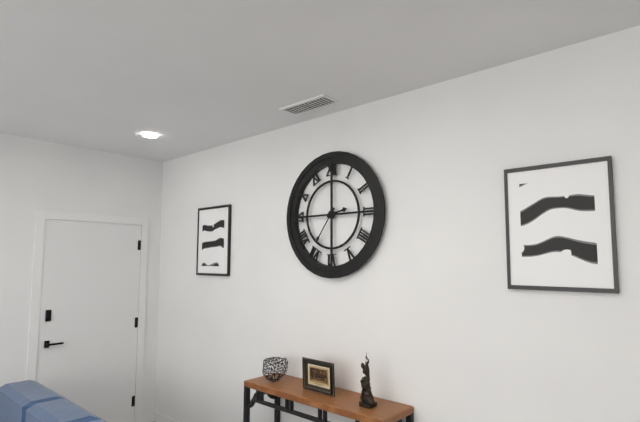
2:36
